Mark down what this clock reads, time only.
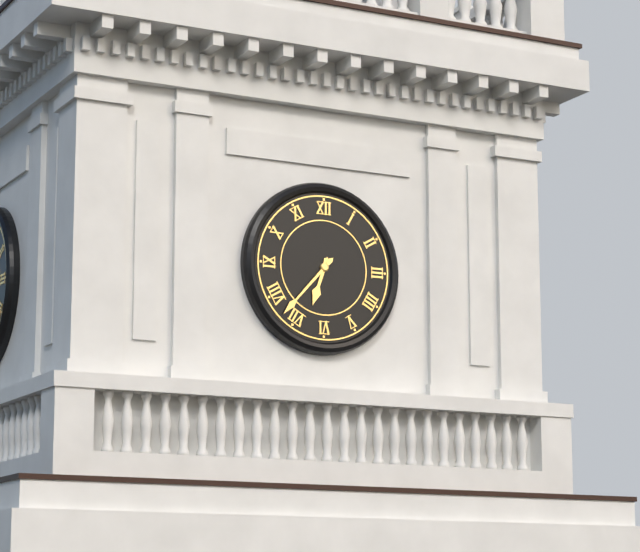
6:37
